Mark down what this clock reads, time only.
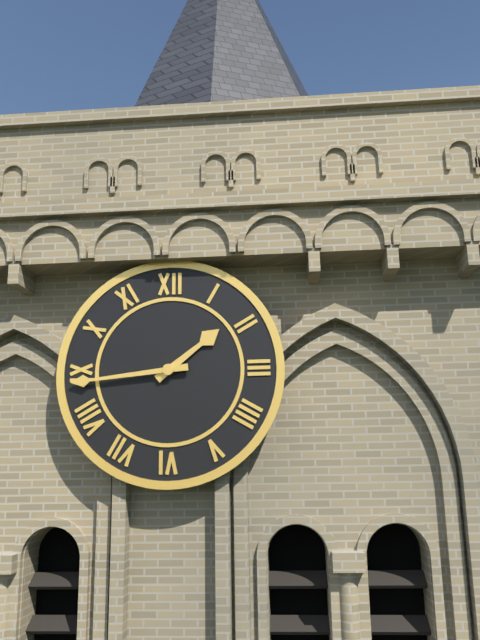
1:44
